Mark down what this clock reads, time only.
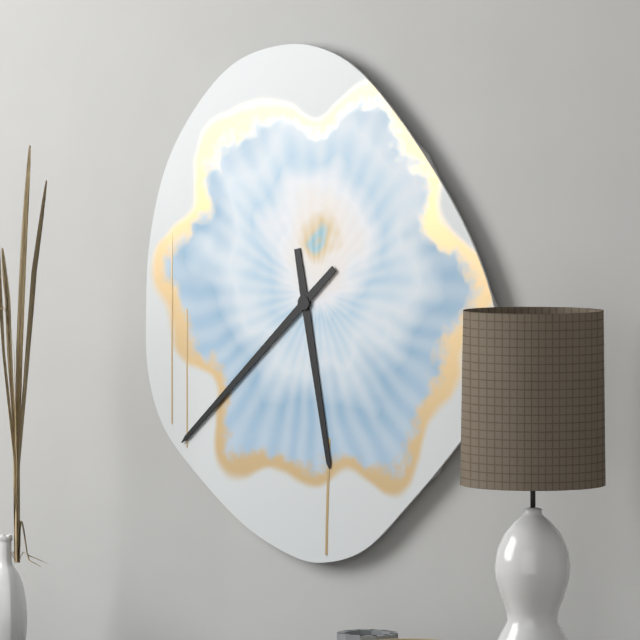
5:38
